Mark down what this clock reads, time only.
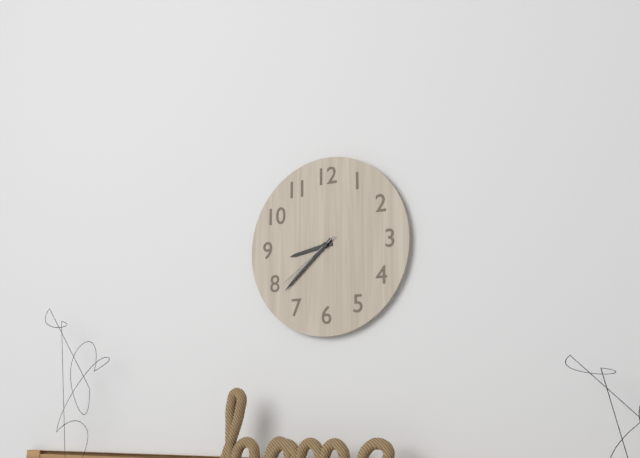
8:38:39
